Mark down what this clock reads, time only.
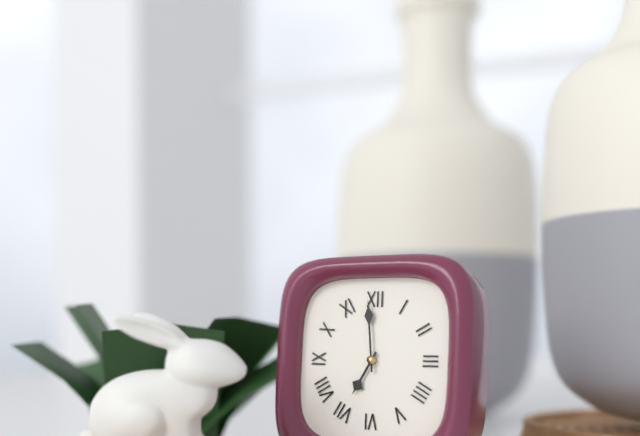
6:59
